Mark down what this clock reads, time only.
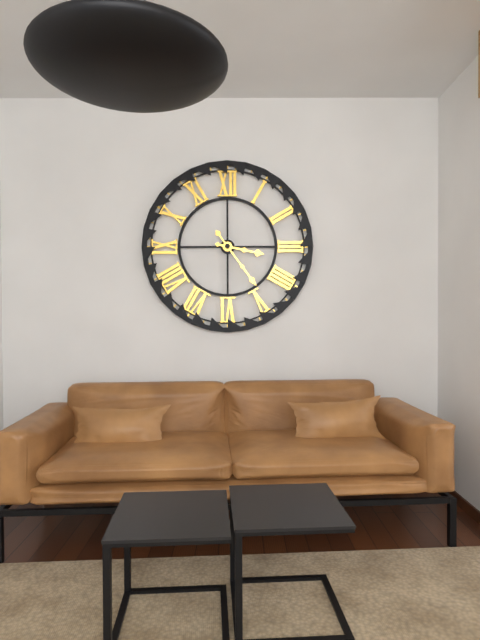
3:24
